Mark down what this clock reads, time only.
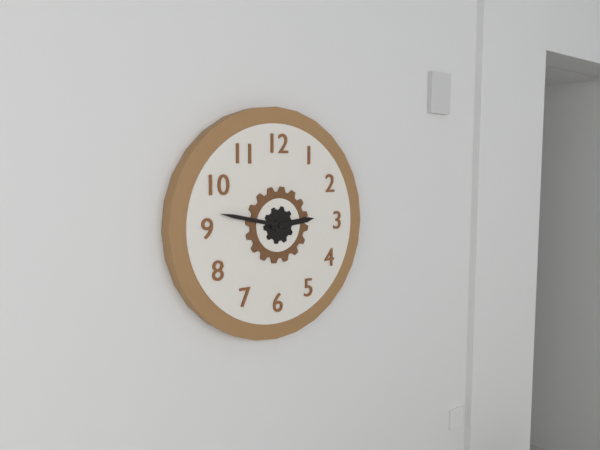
2:47
